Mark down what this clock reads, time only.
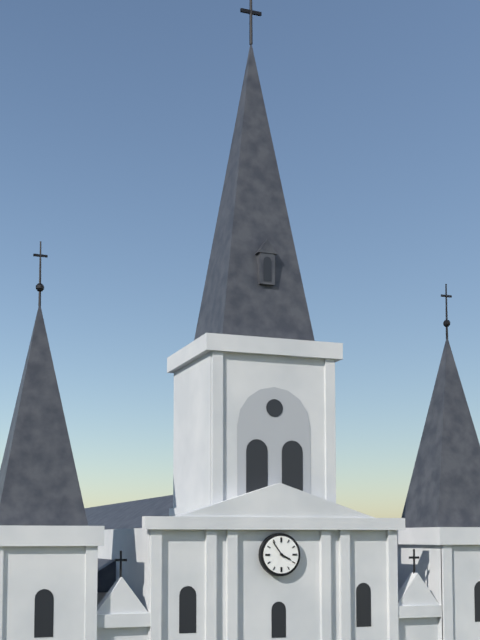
3:54
